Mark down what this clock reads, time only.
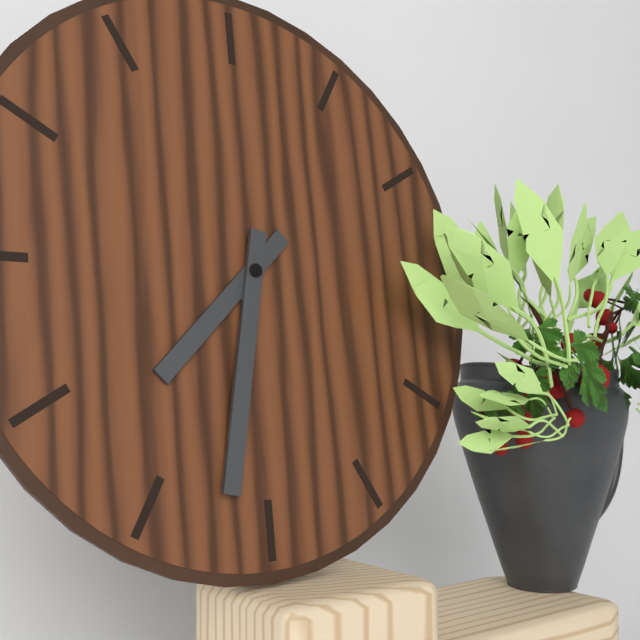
7:32
